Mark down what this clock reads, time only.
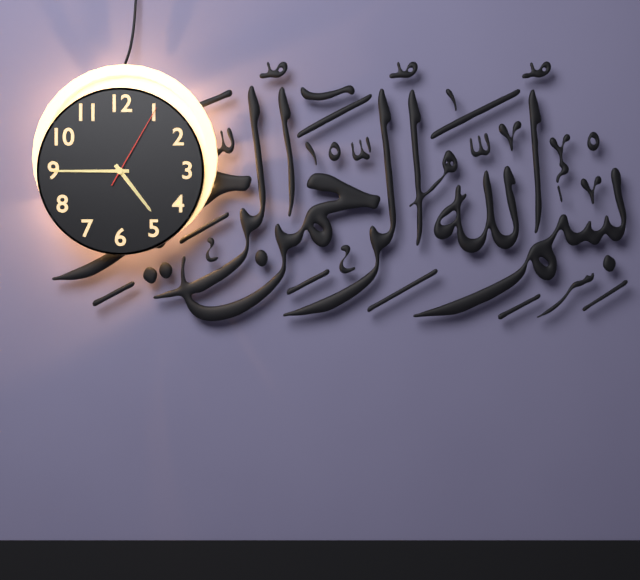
4:45:05
